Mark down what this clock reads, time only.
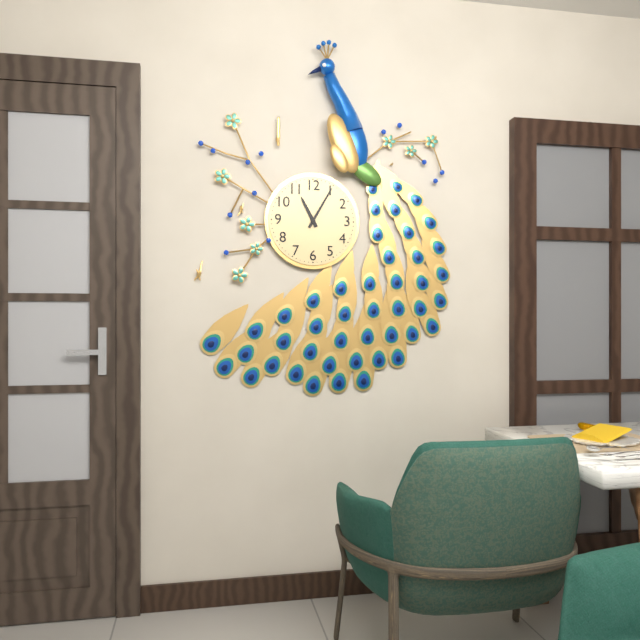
11:05
